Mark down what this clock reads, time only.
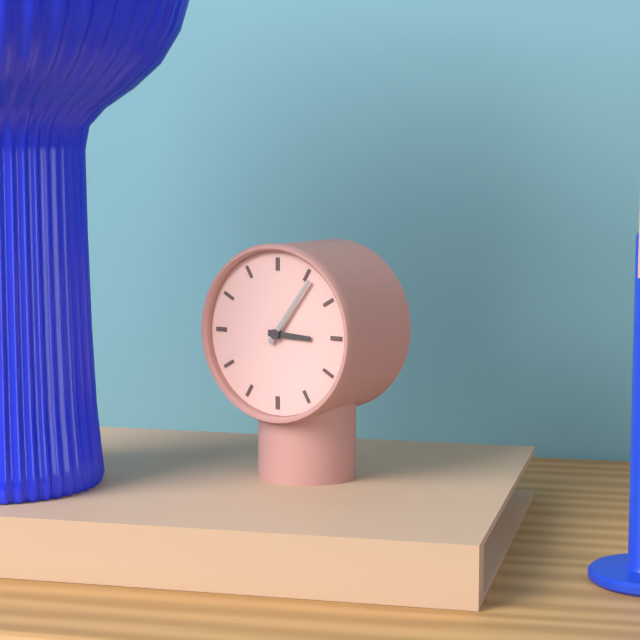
3:06
